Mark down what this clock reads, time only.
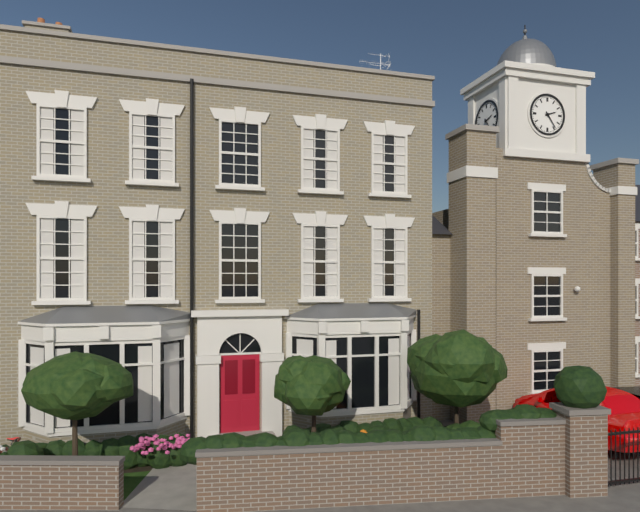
2:24
